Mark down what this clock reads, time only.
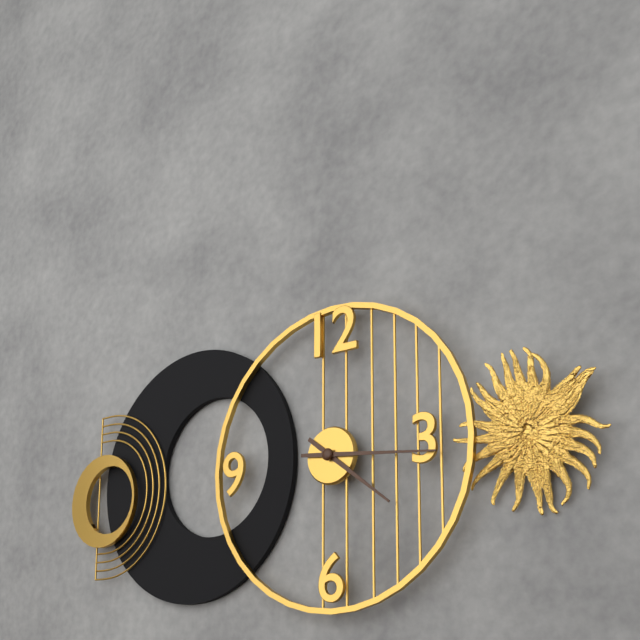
4:16
